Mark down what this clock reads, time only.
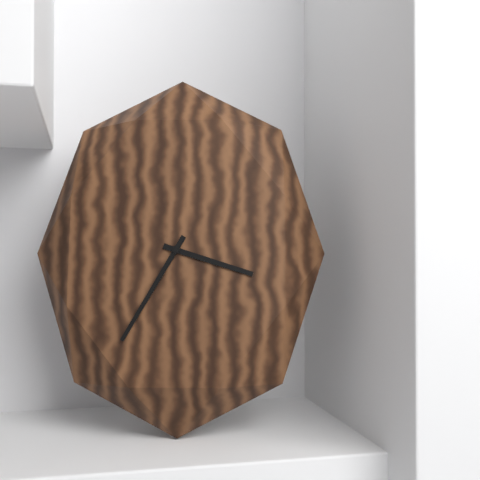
3:35
